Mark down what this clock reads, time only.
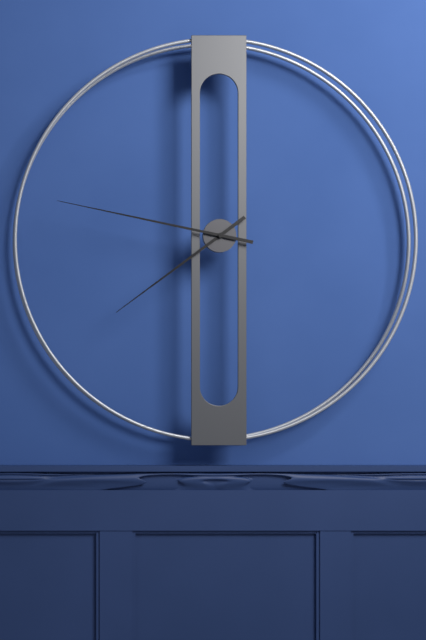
7:47
